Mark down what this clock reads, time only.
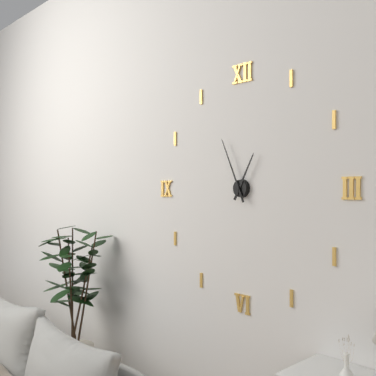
12:56
